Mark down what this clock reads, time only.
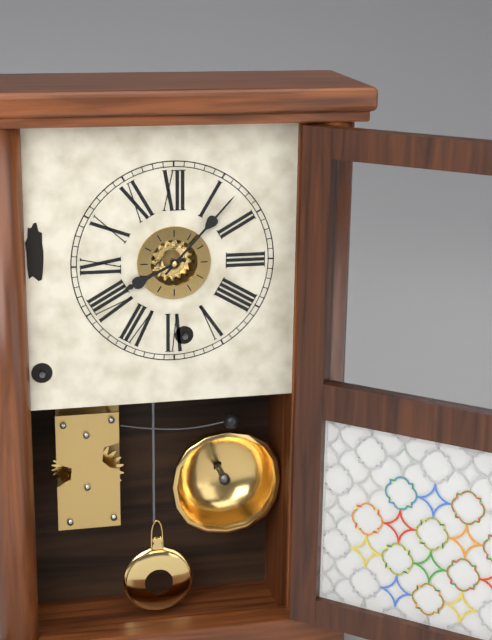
8:07
